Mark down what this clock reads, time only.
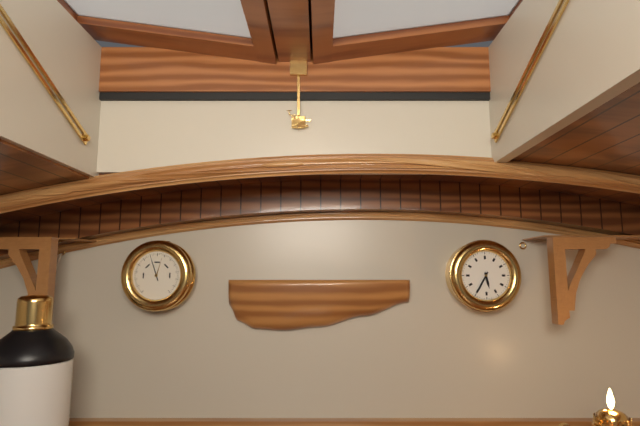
5:35
